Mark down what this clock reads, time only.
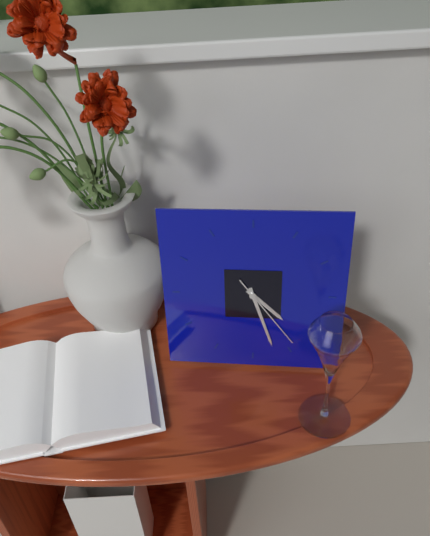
4:27:24
